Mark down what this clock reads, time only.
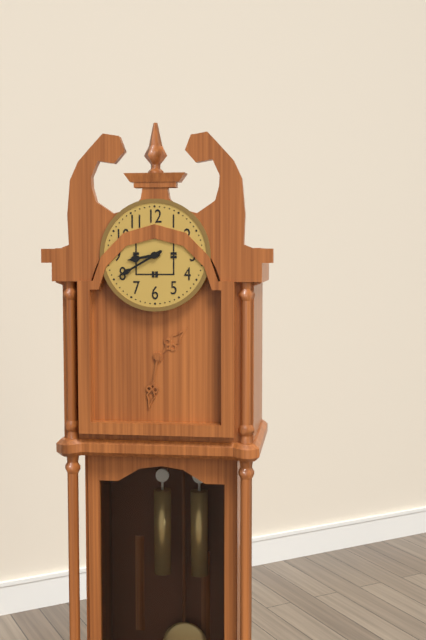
8:40
